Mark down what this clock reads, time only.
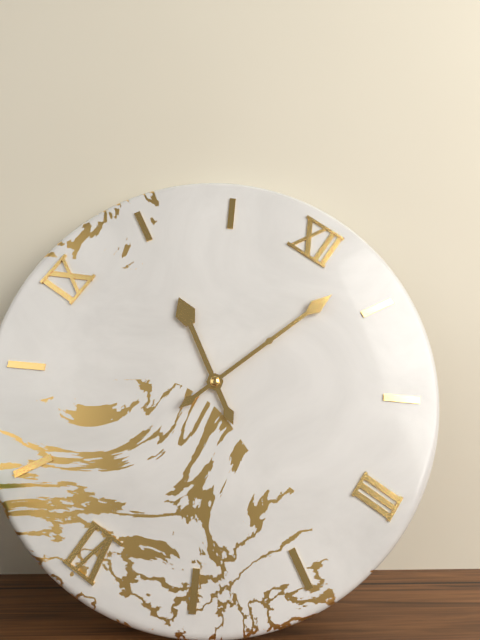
10:03
